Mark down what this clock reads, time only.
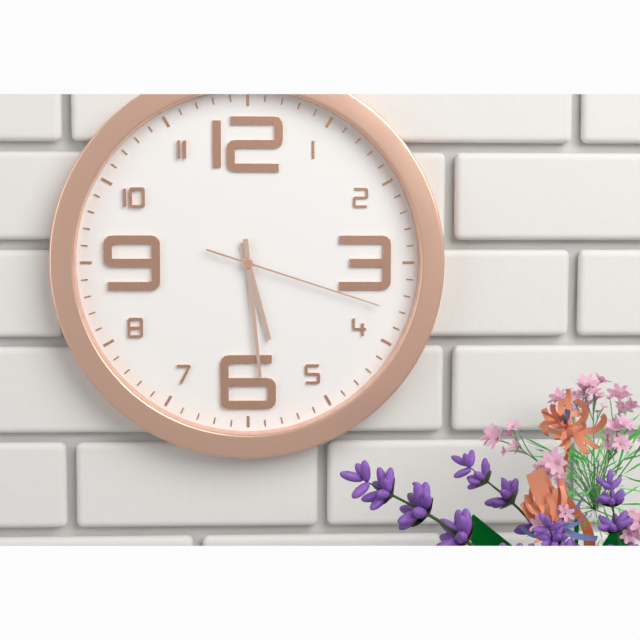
5:29:18
